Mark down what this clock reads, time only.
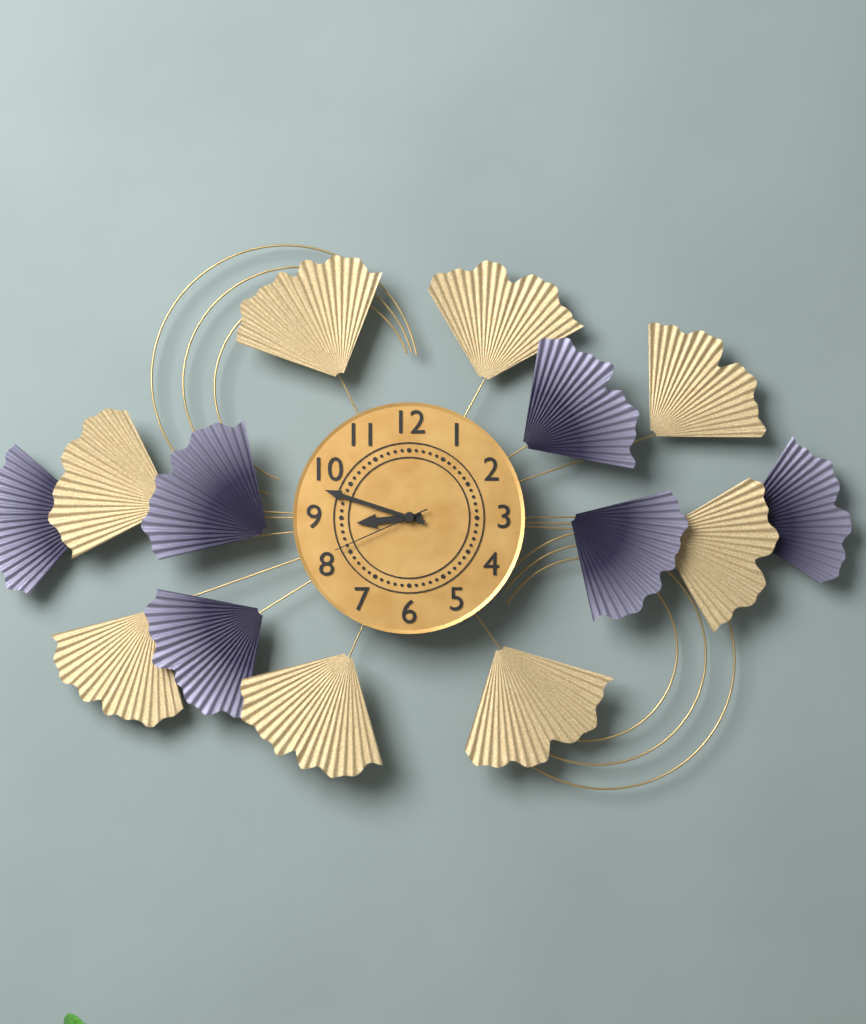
8:48:41
